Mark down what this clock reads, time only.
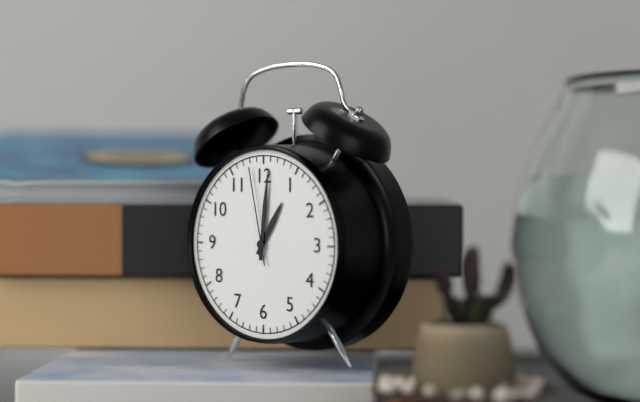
1:01:58
